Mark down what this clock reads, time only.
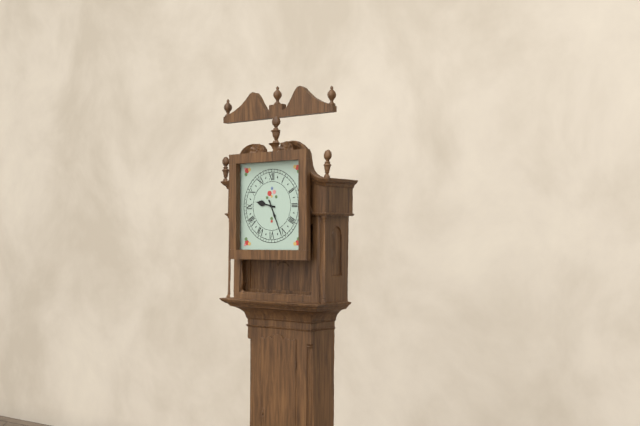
9:26
